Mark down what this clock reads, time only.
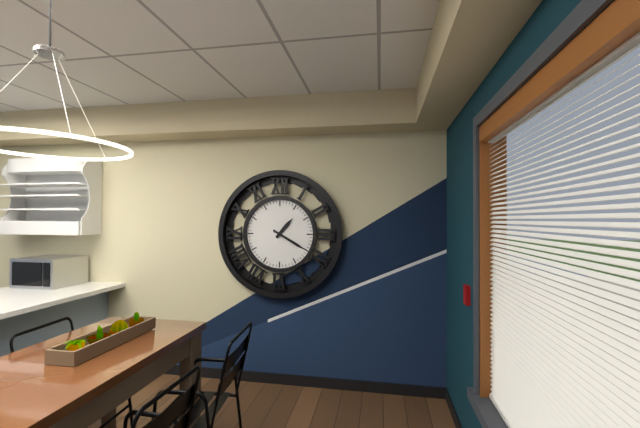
1:20
